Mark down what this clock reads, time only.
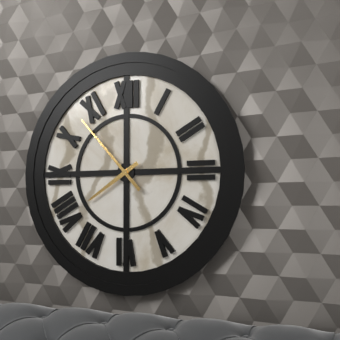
7:53
